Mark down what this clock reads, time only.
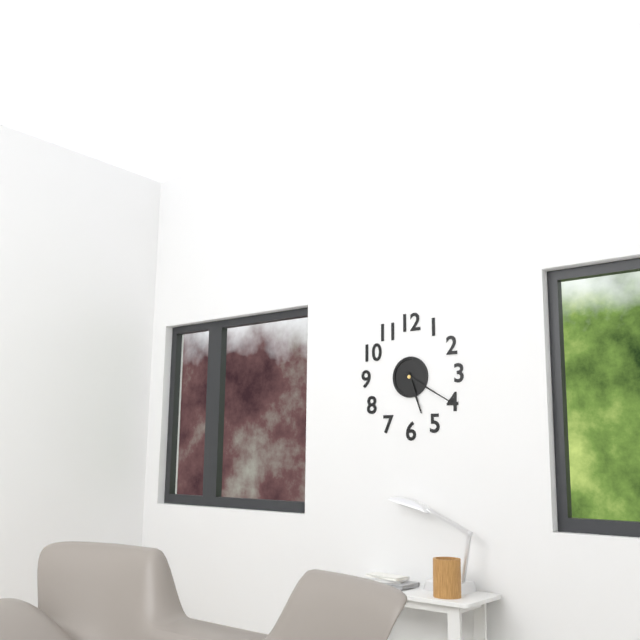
5:20
